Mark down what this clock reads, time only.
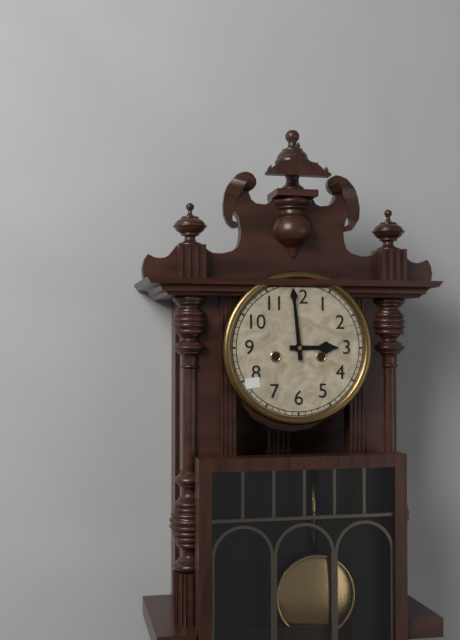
2:59
